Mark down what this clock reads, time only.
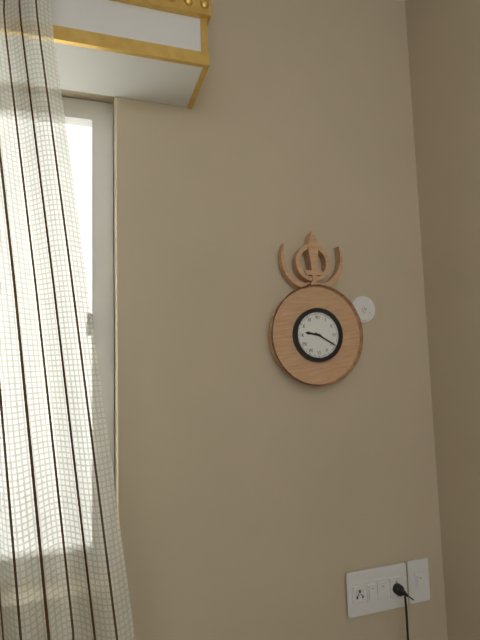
9:20
